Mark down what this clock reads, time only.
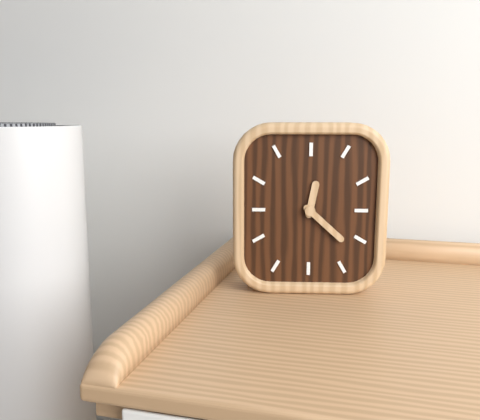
12:22
